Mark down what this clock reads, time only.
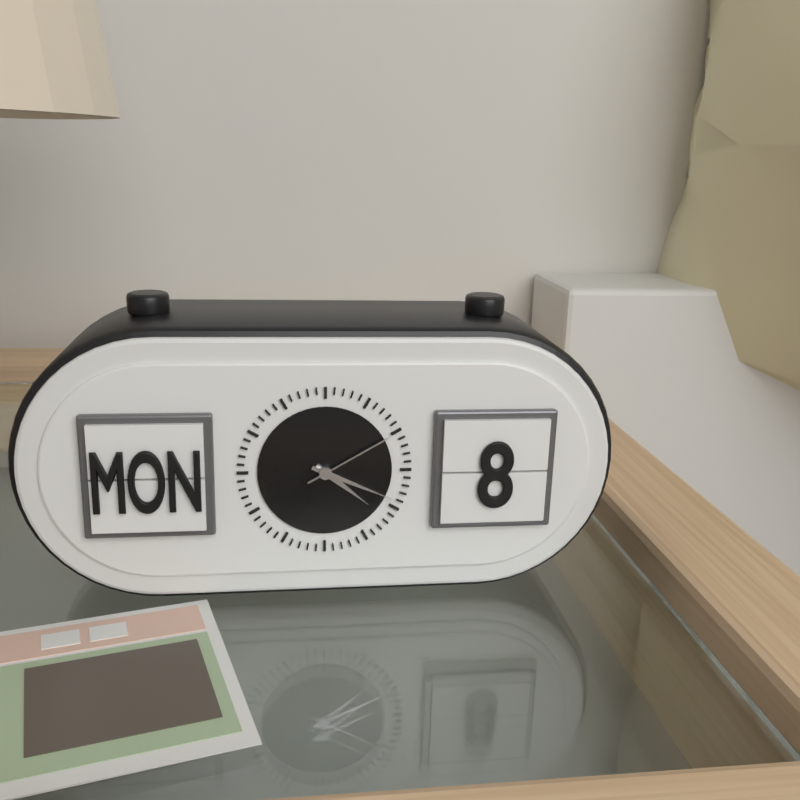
4:19:10
